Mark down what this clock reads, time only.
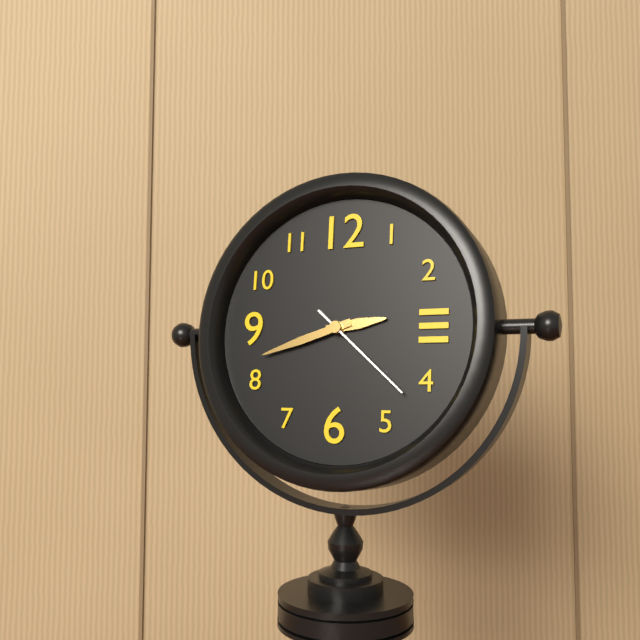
2:42:22
